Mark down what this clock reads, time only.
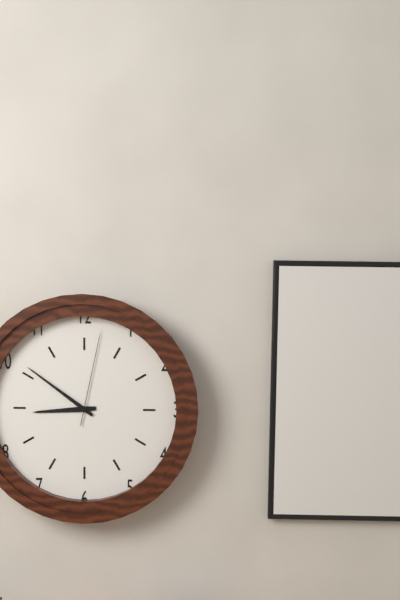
8:51:02
